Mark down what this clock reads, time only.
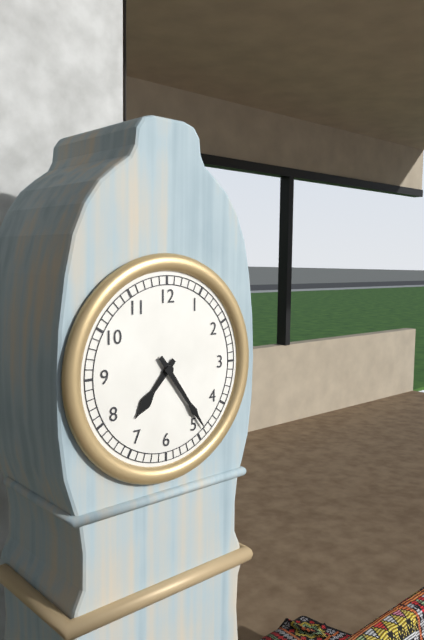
7:24
